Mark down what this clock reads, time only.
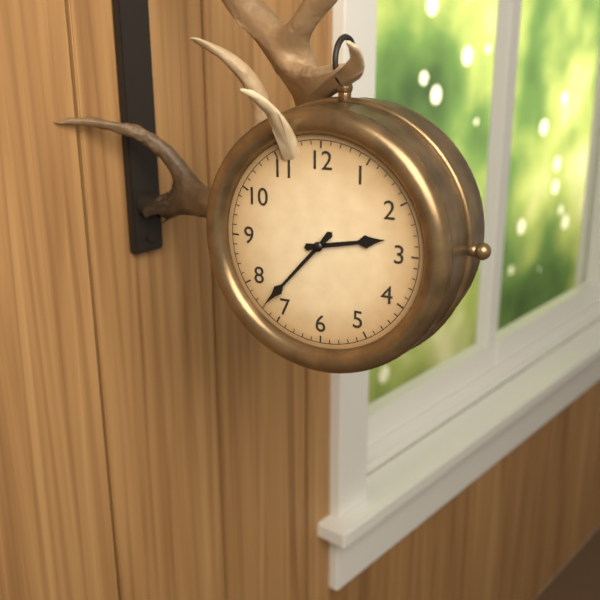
2:37
